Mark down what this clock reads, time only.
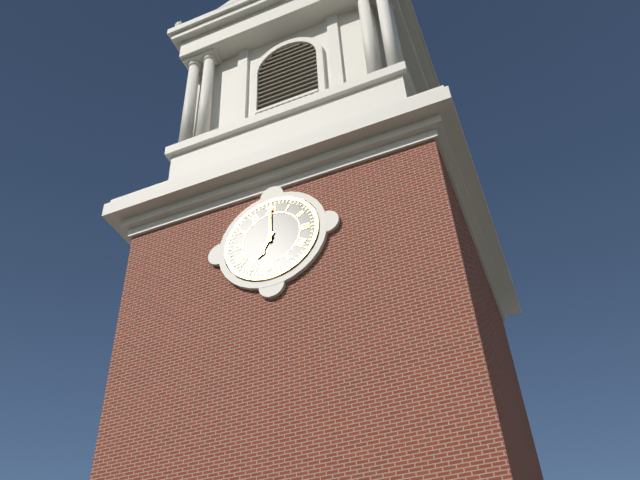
7:00
